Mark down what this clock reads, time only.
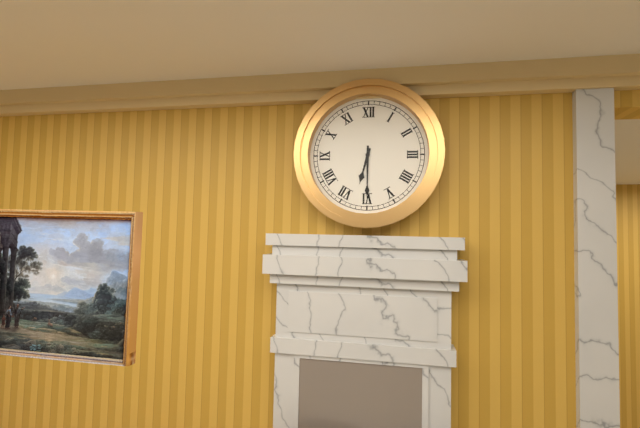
6:30
